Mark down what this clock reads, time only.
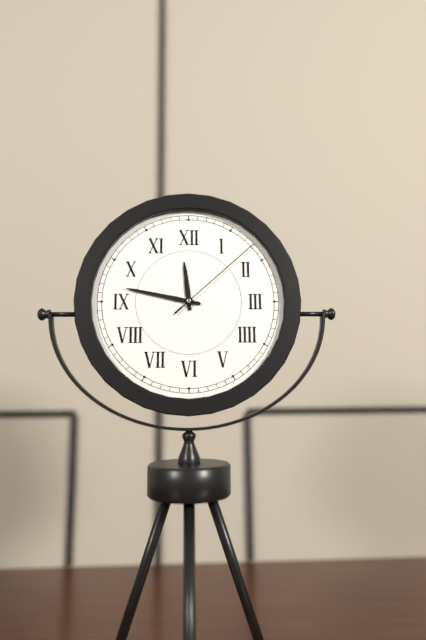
11:47:08
